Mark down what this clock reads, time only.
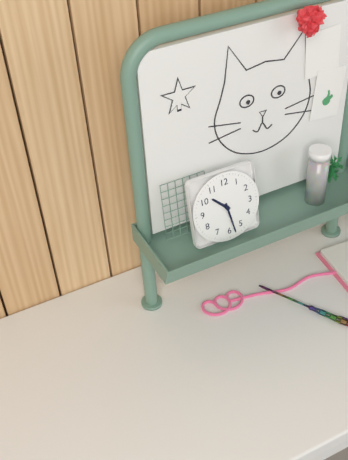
10:28
